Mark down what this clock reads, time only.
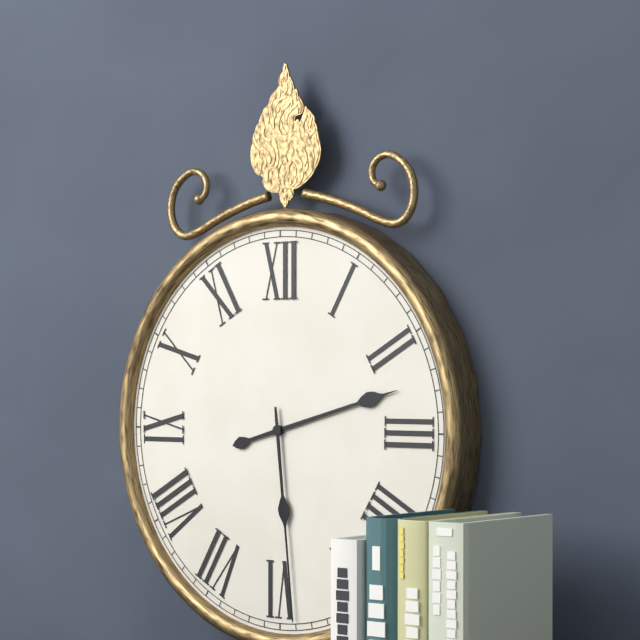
2:29
